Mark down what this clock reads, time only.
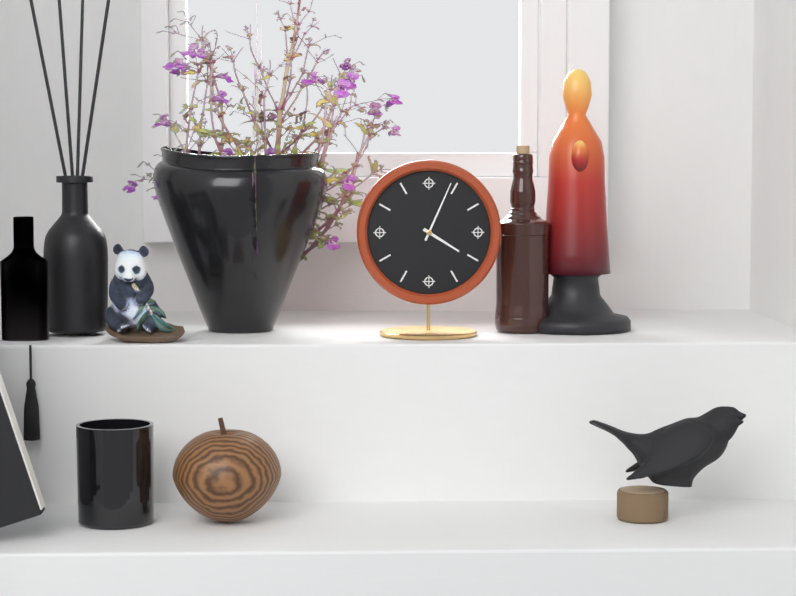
4:04
